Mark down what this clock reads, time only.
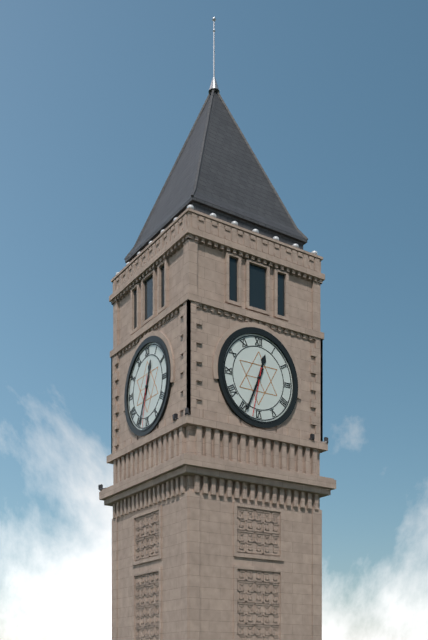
12:34
